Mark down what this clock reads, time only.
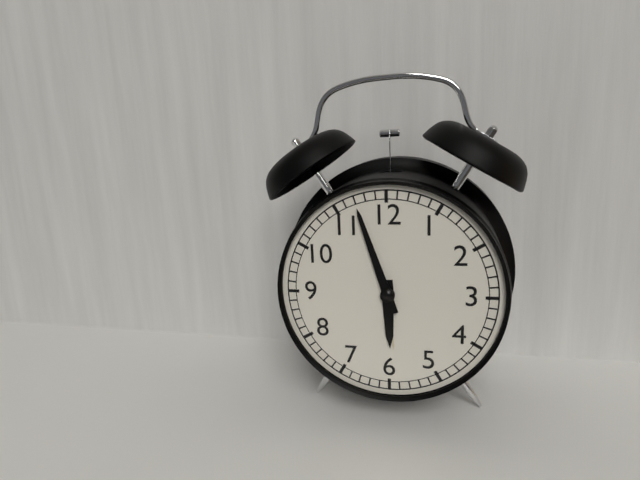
5:57
